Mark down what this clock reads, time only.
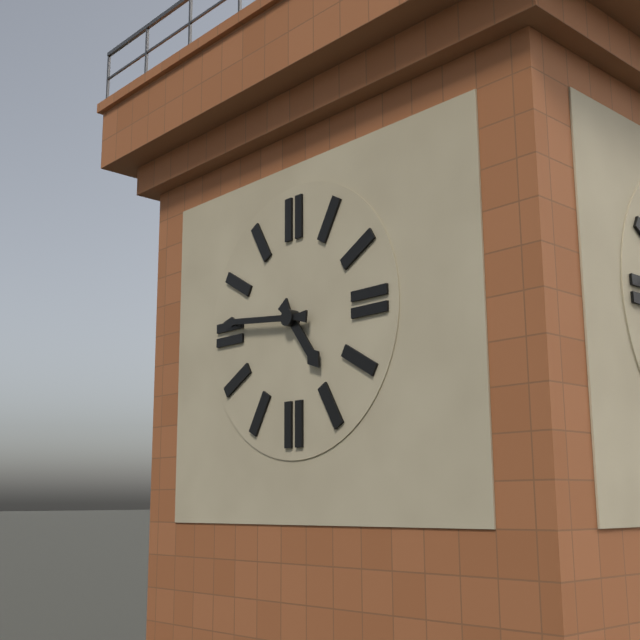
4:46
